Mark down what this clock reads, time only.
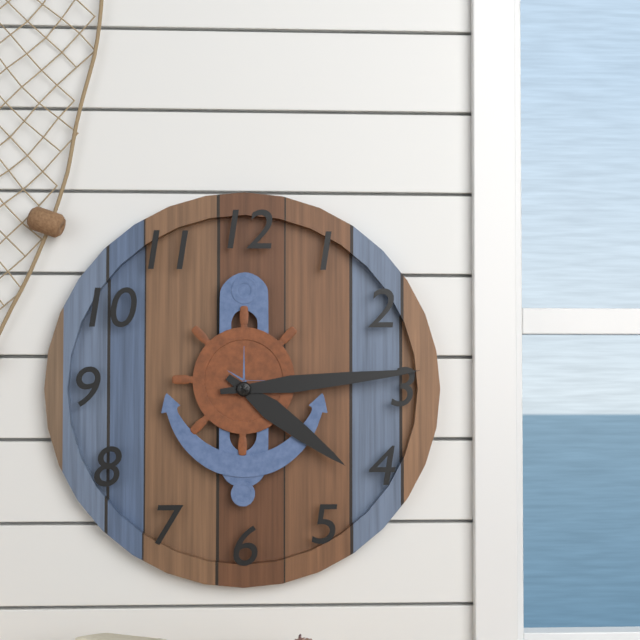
4:14
